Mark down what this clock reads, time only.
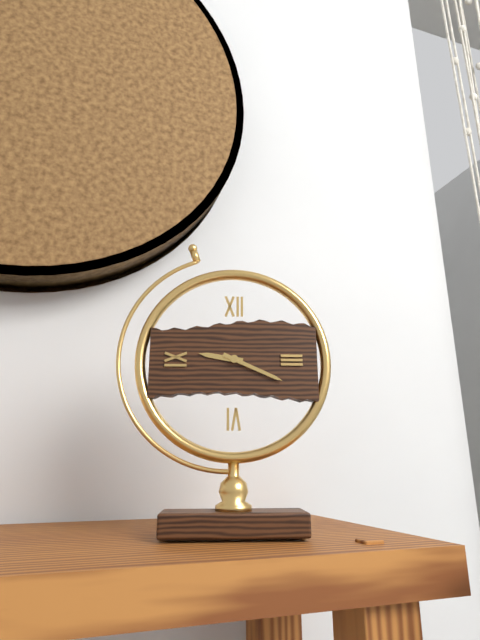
9:19
